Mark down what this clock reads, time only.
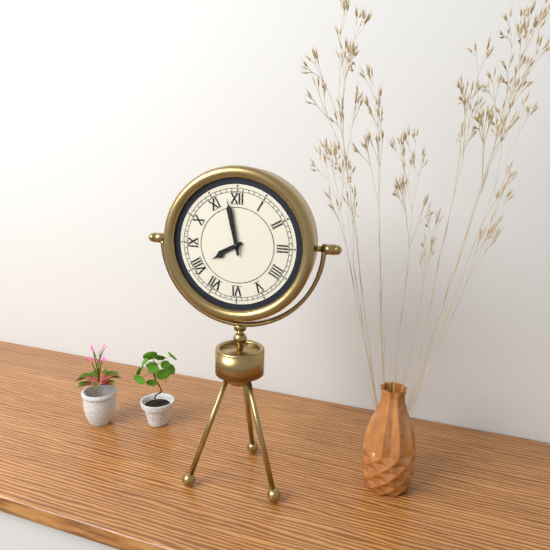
7:58
